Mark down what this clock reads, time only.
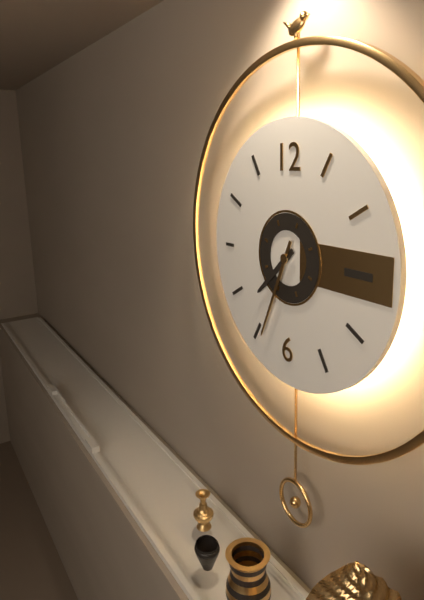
7:34
